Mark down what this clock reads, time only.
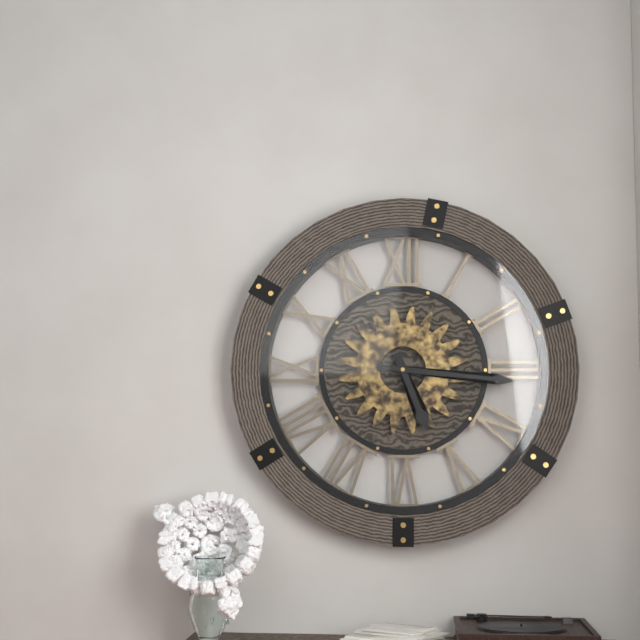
5:16
